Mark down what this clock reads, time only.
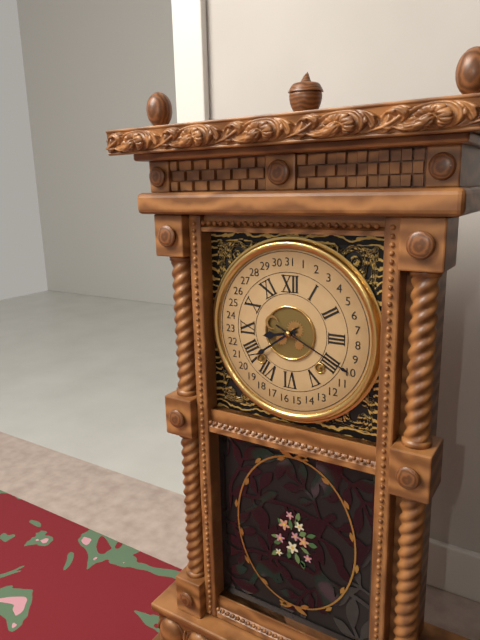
8:39
